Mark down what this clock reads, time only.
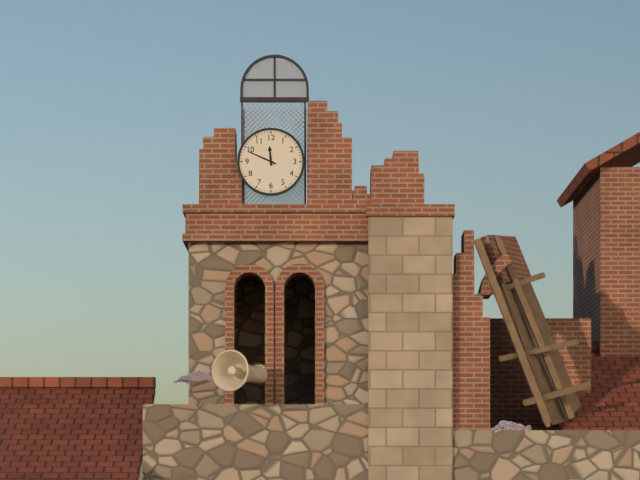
11:49
